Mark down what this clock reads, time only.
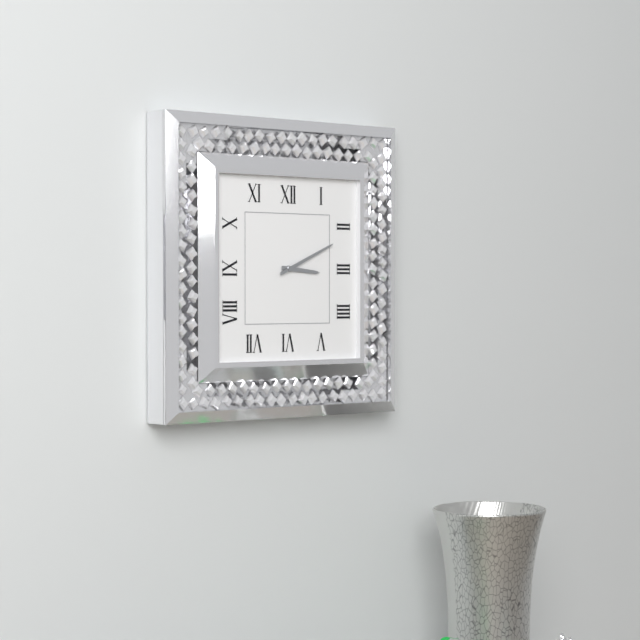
3:11
